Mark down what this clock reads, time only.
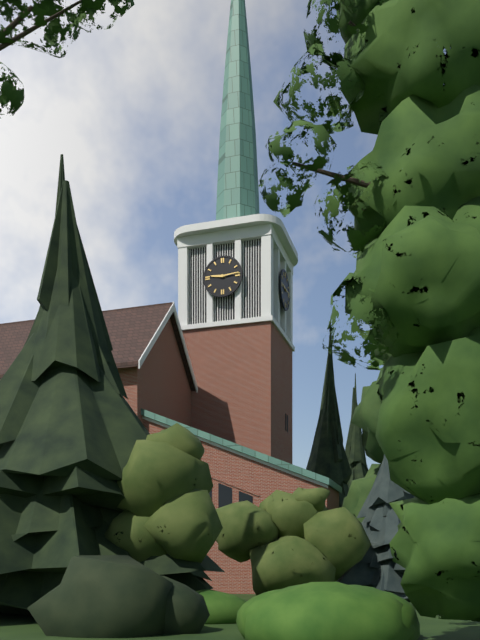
9:14
